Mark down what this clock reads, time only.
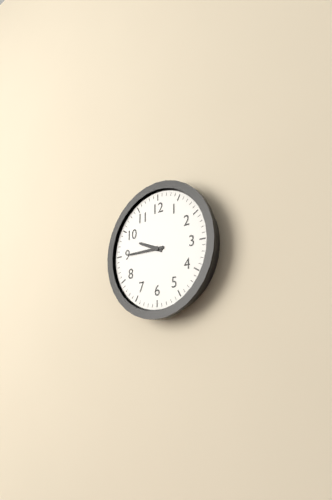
9:45
